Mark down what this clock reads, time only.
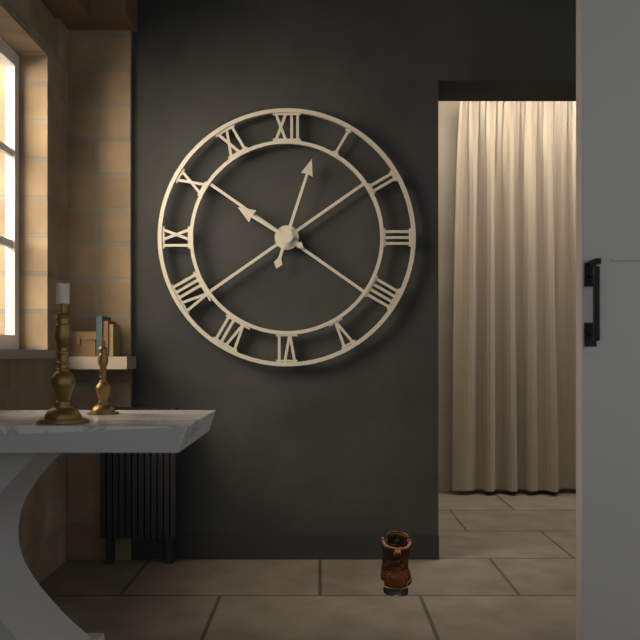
10:03
